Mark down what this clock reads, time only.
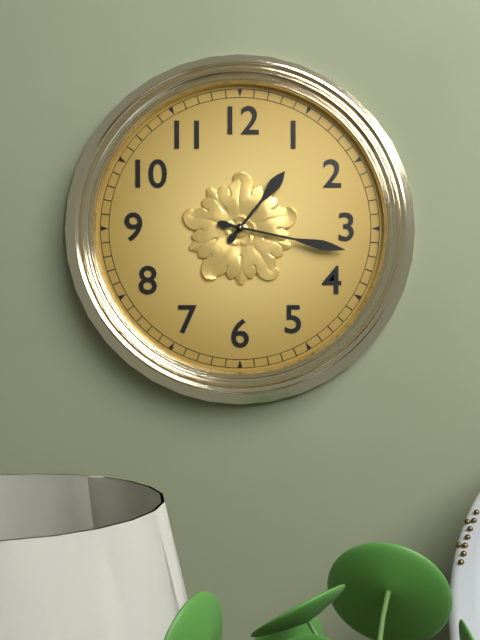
1:17
